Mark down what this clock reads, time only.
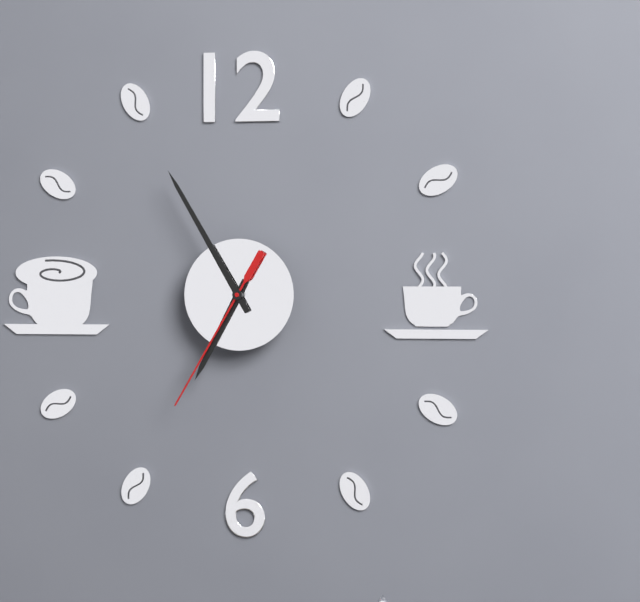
6:55:35
